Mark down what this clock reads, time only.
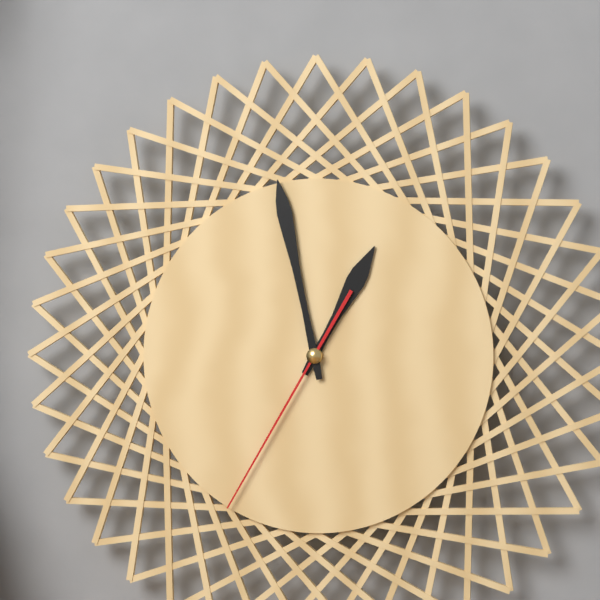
12:58:35
